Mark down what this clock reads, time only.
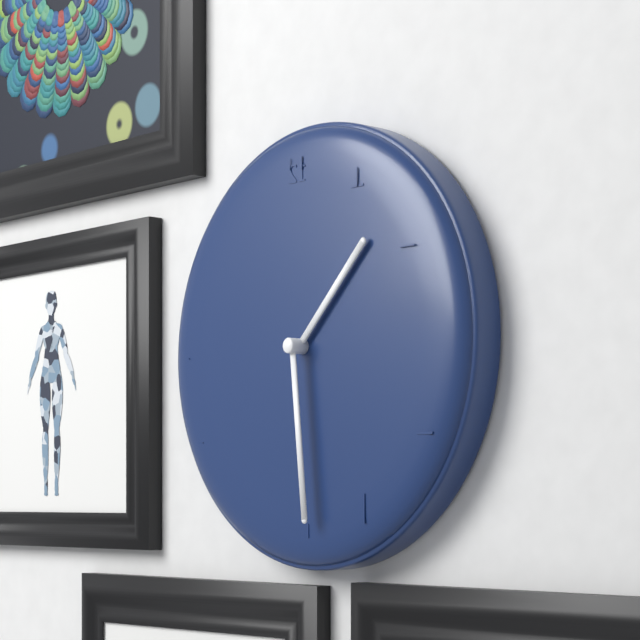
1:29
